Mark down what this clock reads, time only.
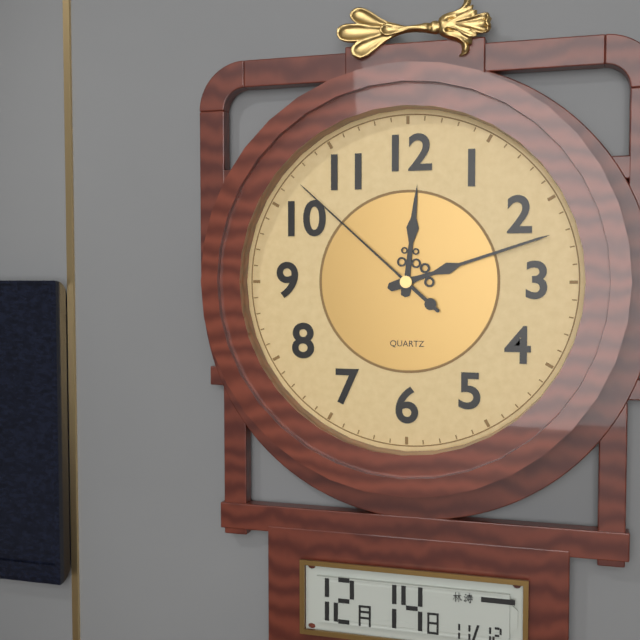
12:12:52
